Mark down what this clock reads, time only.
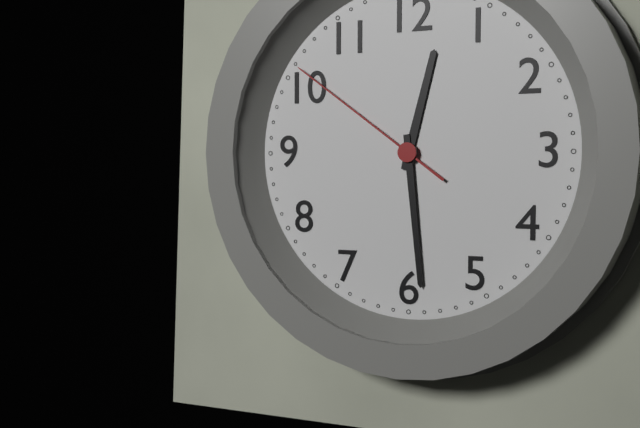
12:29:51
